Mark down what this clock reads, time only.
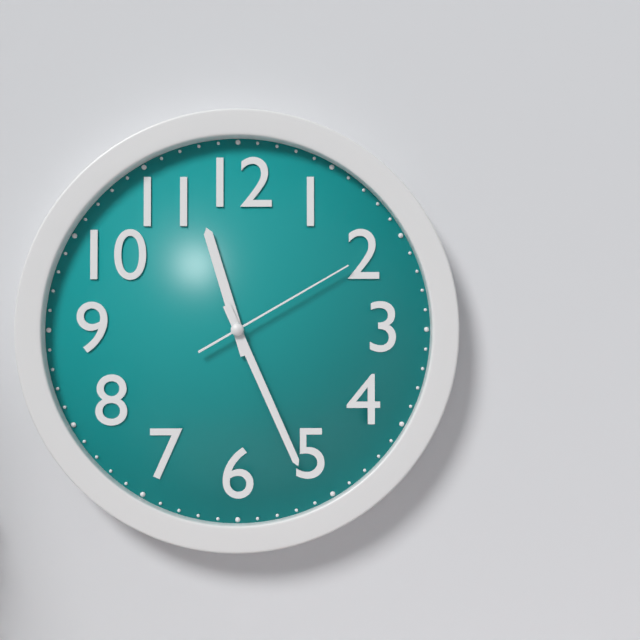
11:26:10
